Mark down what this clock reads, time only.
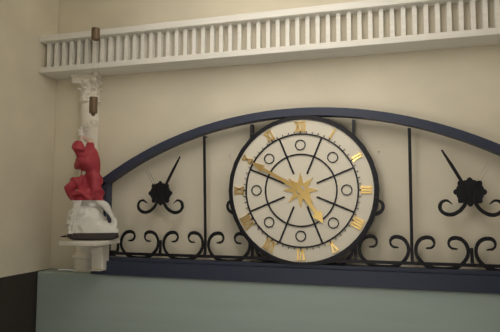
4:50
